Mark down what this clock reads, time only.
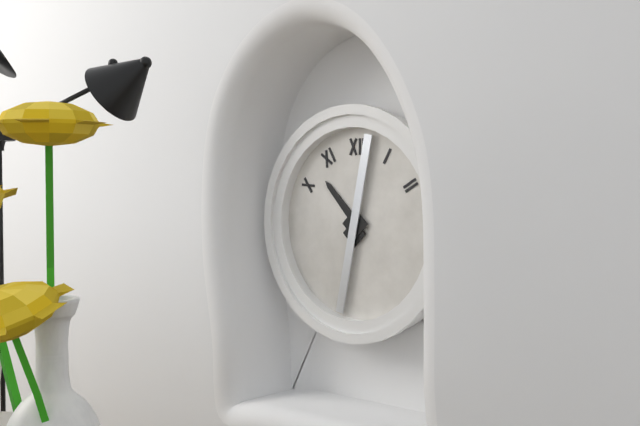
10:32
